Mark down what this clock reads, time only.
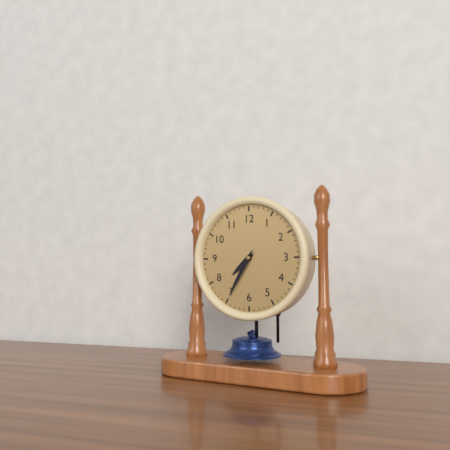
7:35
